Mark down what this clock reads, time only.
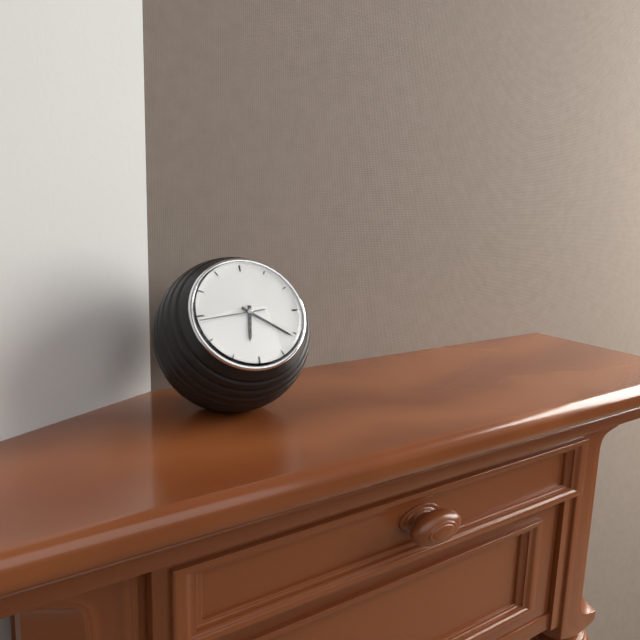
6:21
